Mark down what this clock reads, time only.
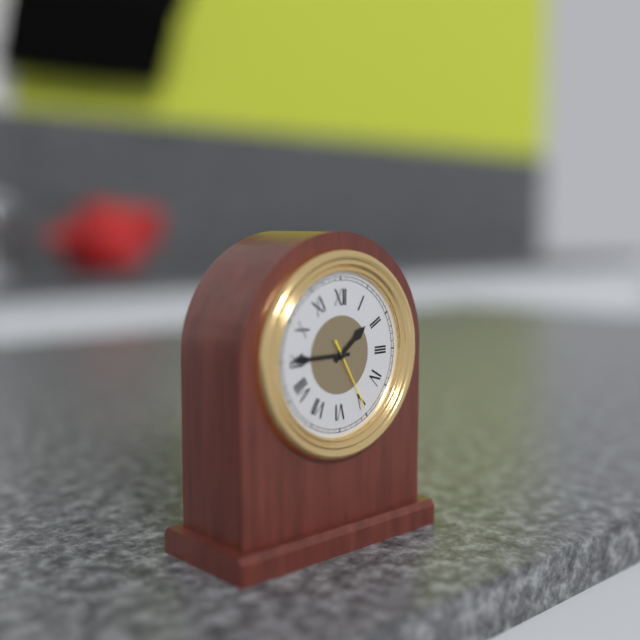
1:45:25
